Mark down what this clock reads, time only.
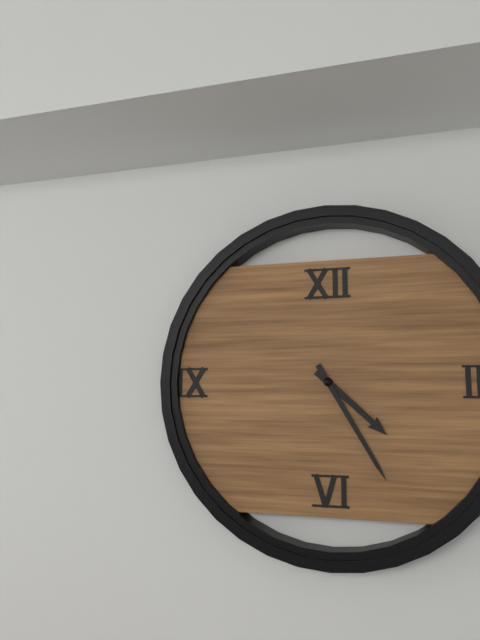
4:25
